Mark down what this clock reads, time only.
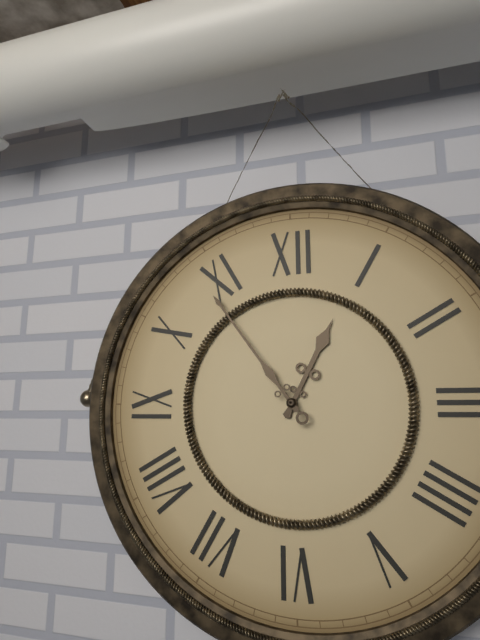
12:54
